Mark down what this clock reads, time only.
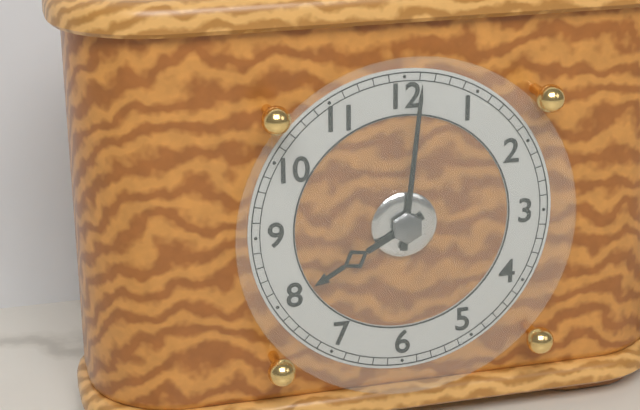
8:01
